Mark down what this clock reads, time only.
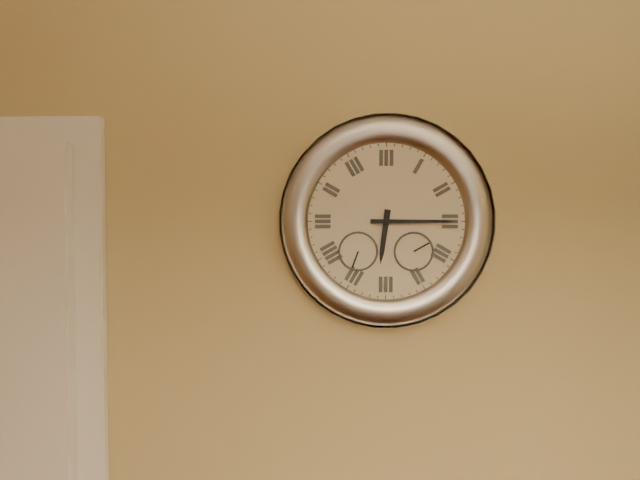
6:15
